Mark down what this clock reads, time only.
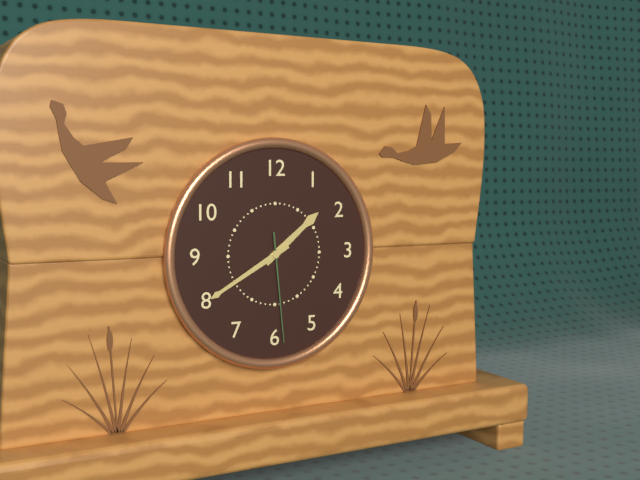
1:40:29
